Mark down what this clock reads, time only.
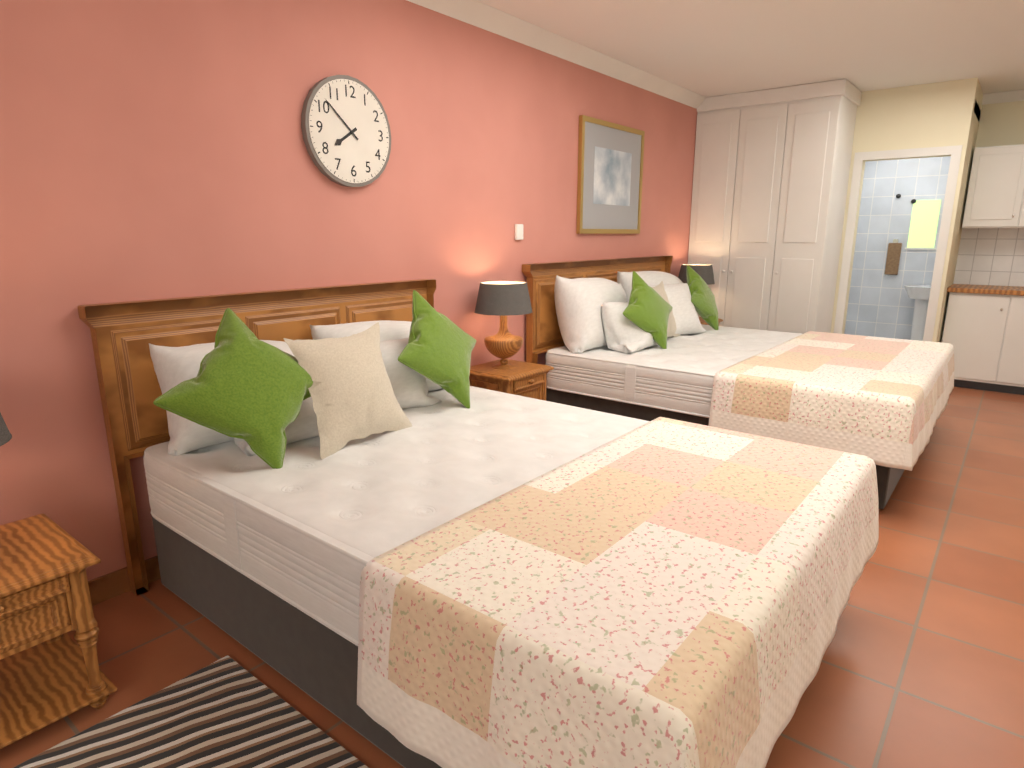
7:52
